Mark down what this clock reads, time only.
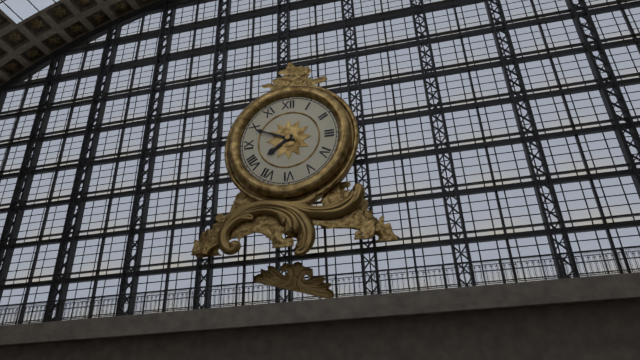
7:49
